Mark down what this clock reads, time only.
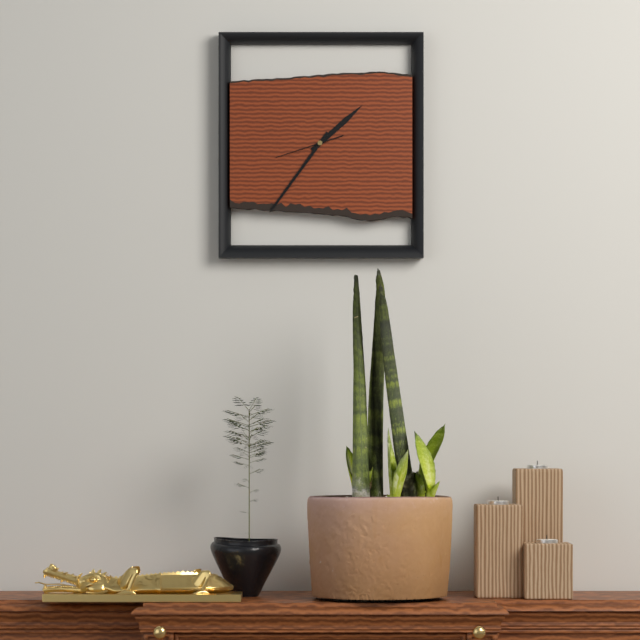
1:36:42
